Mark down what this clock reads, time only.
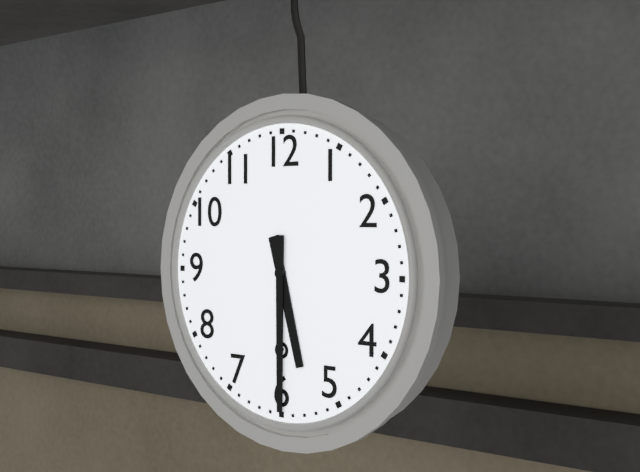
5:30
